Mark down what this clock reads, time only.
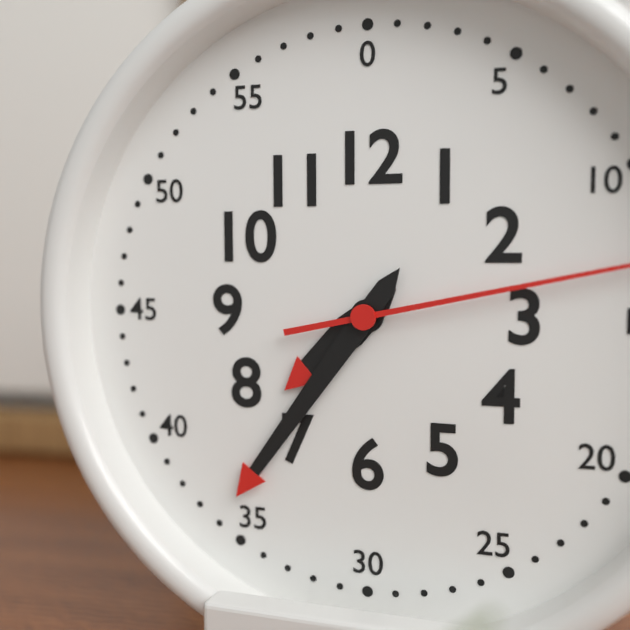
7:36
